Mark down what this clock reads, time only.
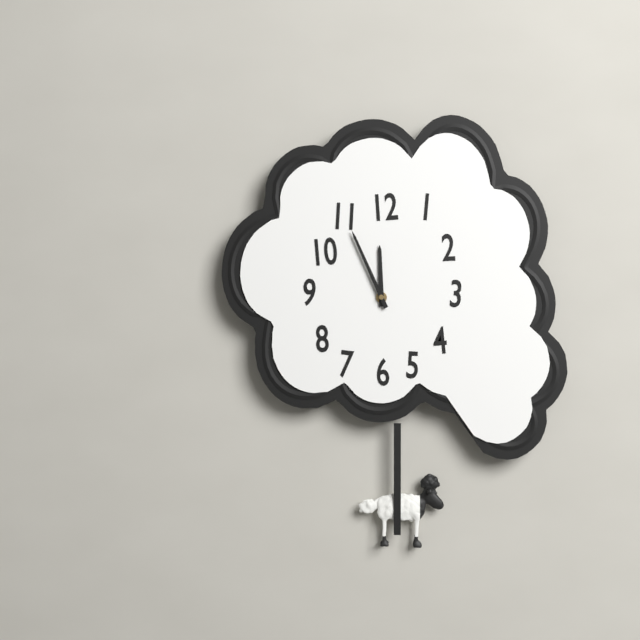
11:56
